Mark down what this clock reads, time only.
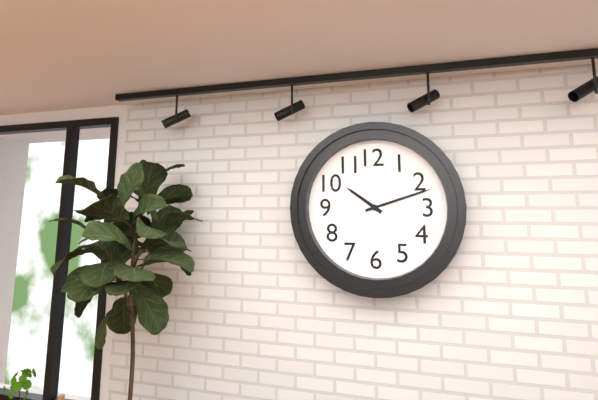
10:12
